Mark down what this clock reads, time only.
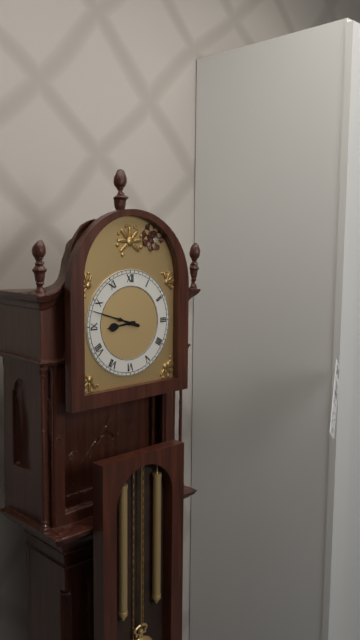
8:48
